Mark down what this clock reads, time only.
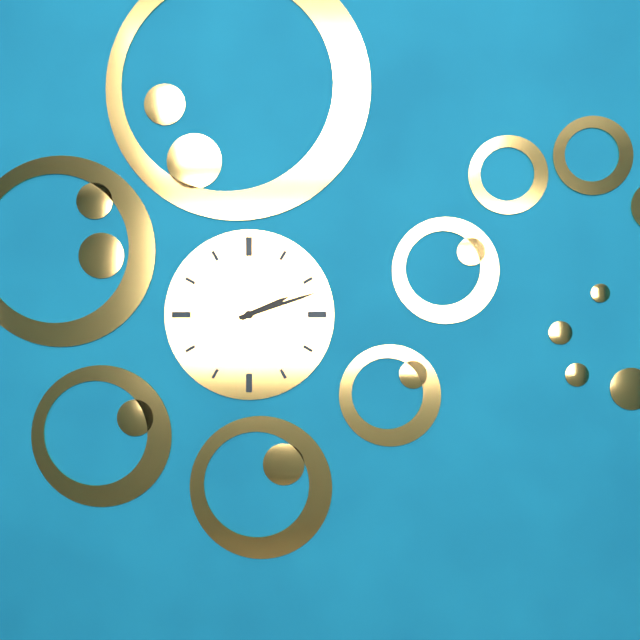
2:12
